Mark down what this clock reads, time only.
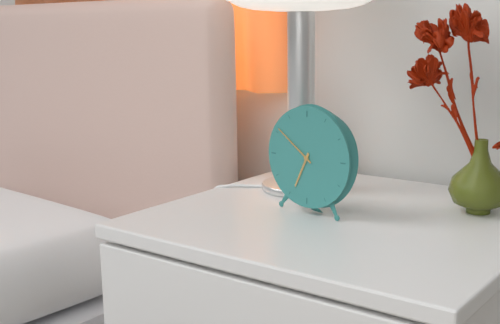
6:51
